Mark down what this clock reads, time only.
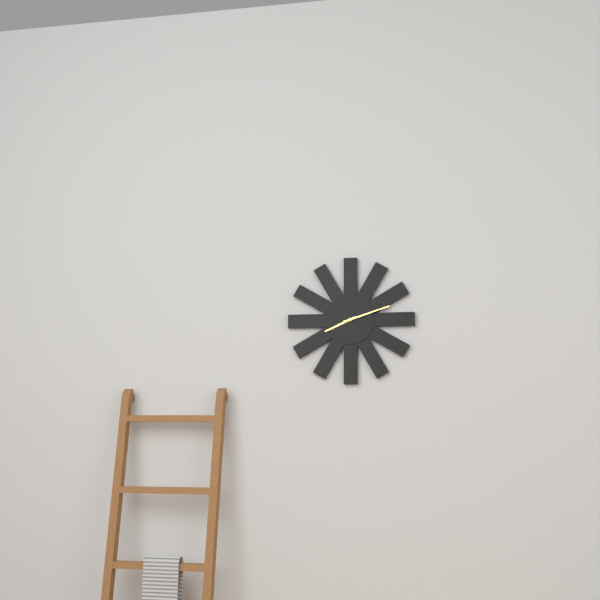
8:12
